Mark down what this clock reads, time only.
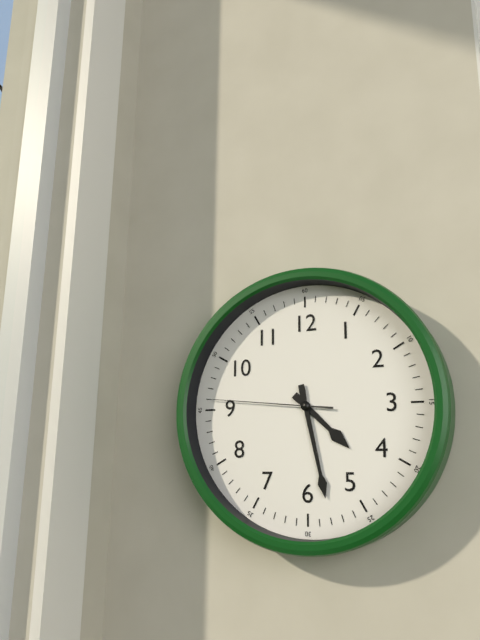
4:28:46
